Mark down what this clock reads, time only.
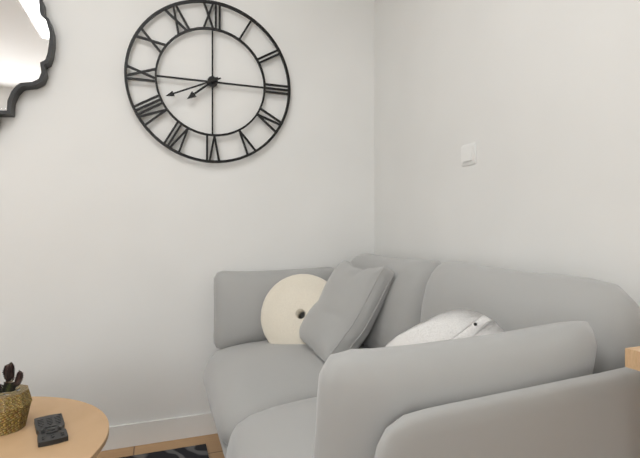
7:41
